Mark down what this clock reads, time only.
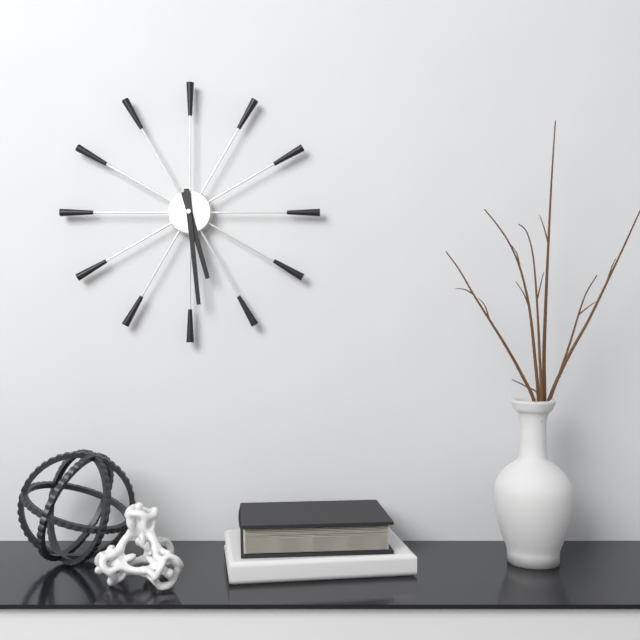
5:29
